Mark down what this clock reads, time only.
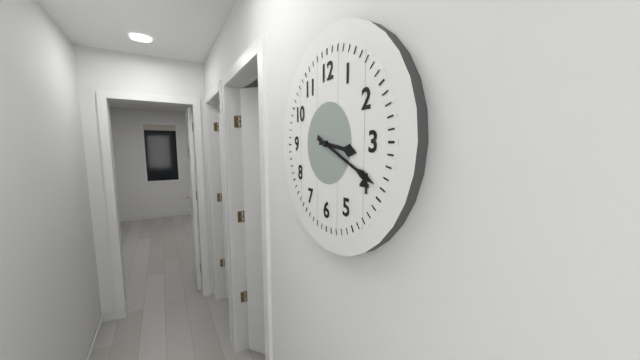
3:19
